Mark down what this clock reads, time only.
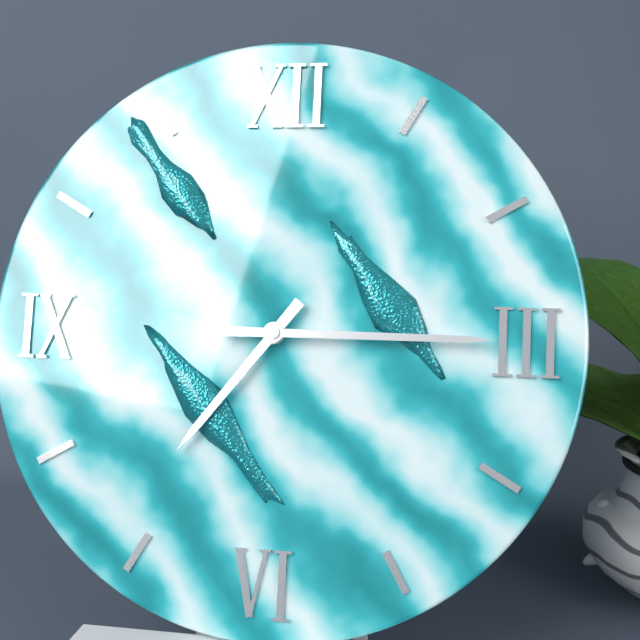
7:15
